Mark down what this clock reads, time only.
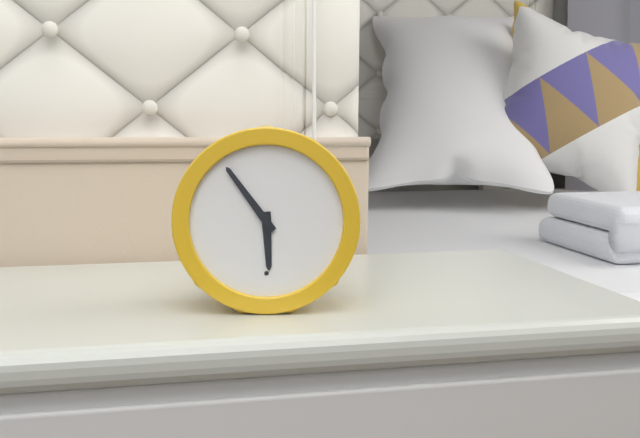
5:54
